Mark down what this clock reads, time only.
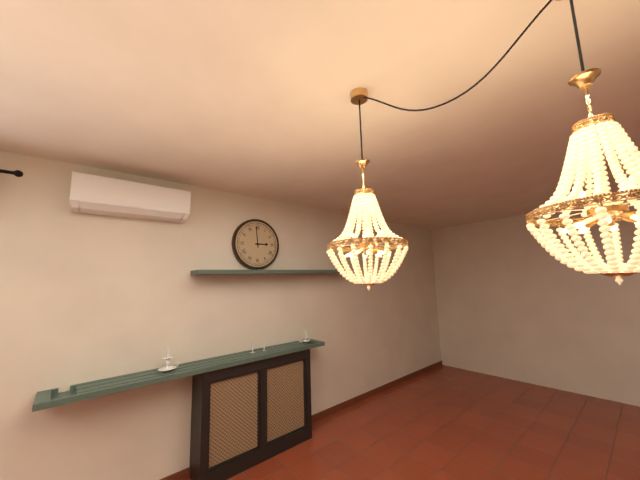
2:59
